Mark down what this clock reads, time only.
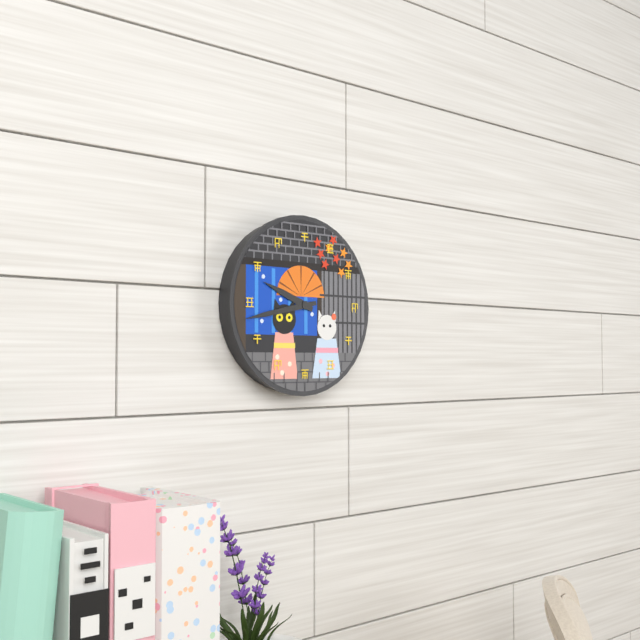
9:43
